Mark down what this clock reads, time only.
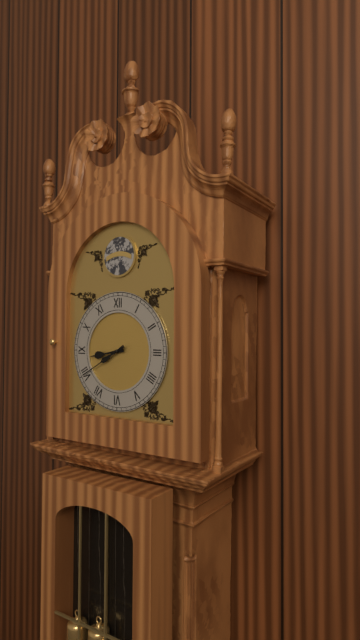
8:40
